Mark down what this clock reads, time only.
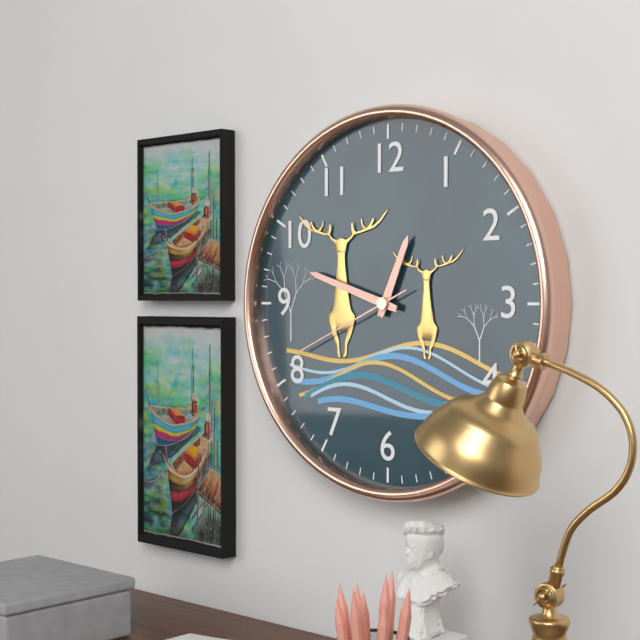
12:48:41
